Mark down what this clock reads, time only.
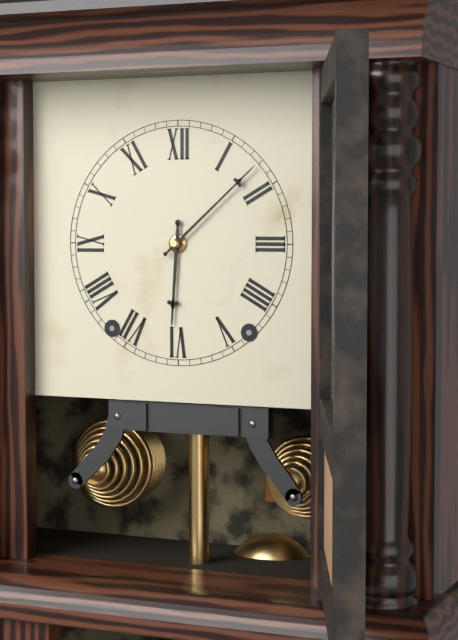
6:08
